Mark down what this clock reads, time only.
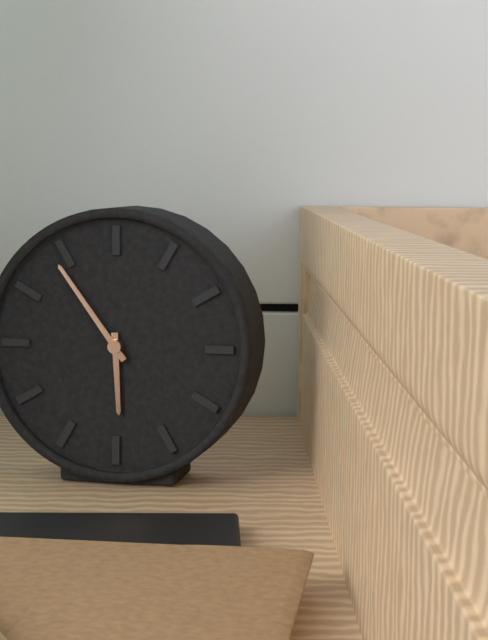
5:54
